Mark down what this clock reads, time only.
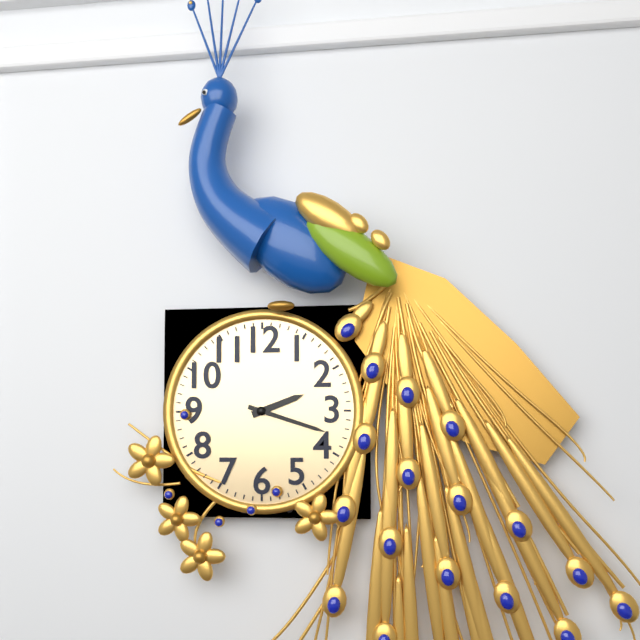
2:18
